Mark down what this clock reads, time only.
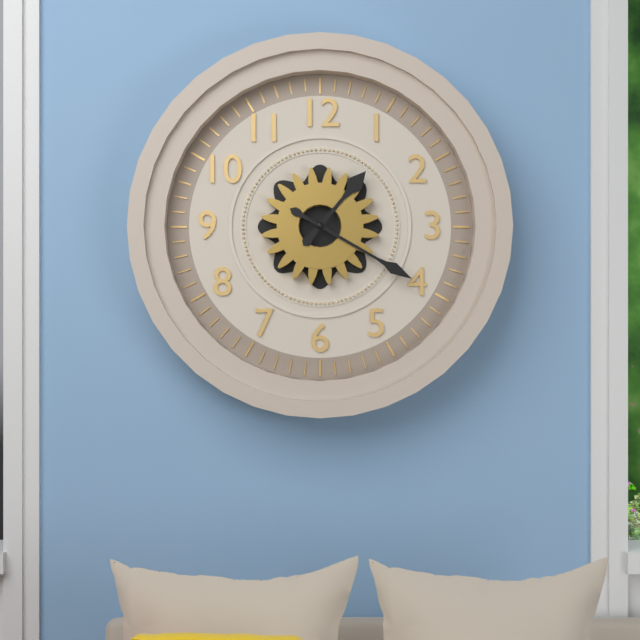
1:20
